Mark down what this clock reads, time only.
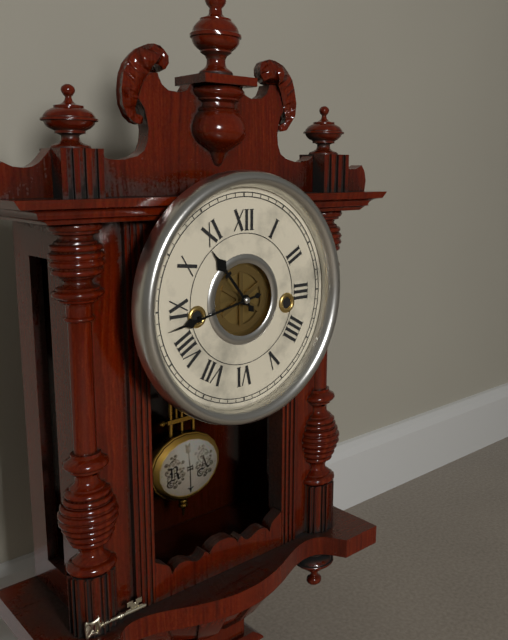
10:43
